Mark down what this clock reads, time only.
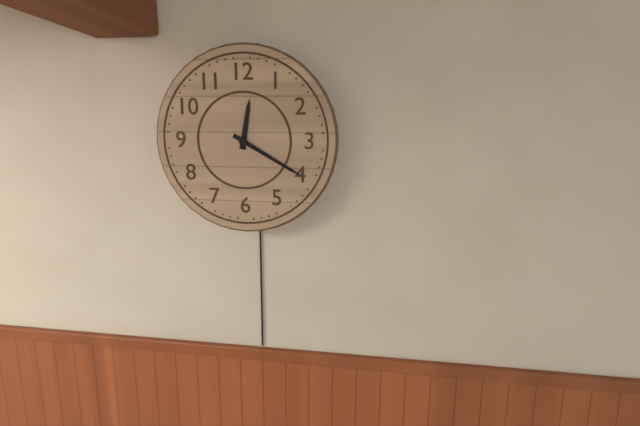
12:20
